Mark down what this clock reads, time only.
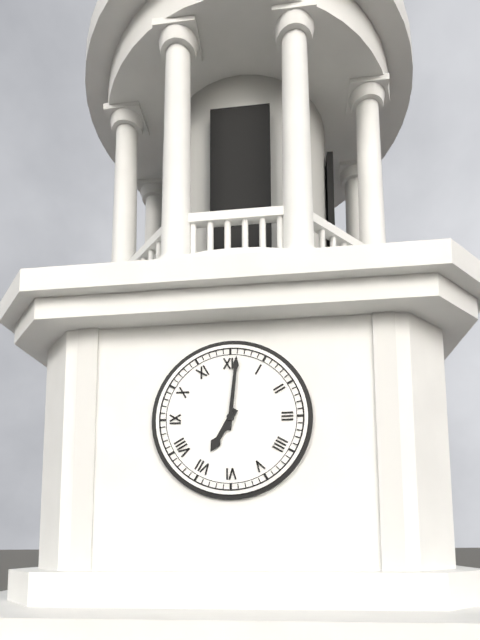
7:01
